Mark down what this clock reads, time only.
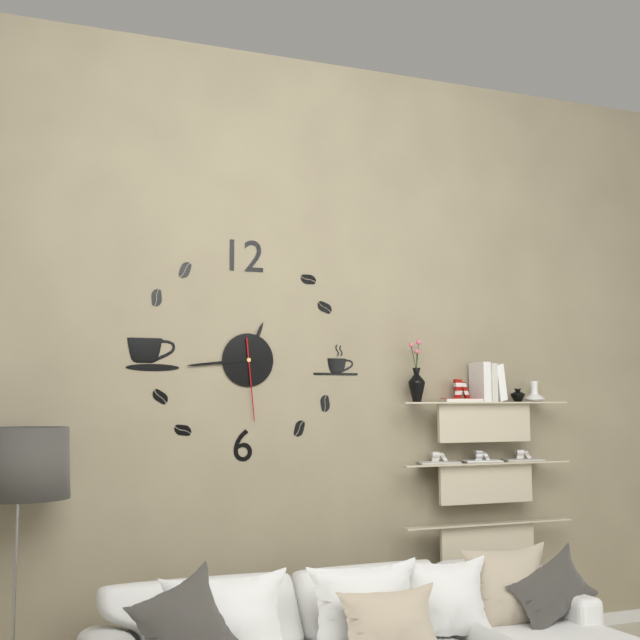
12:44:29
